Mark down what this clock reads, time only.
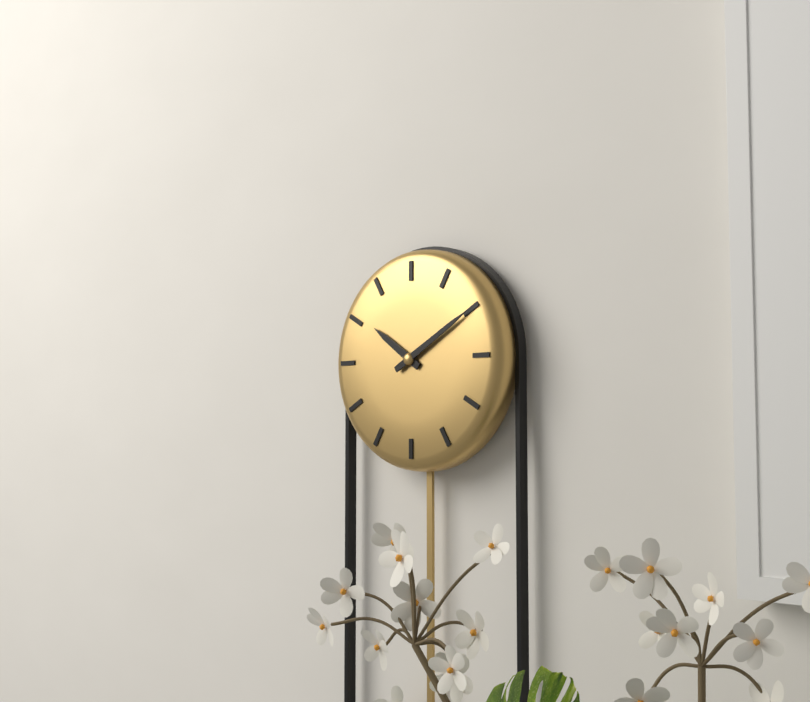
10:10
